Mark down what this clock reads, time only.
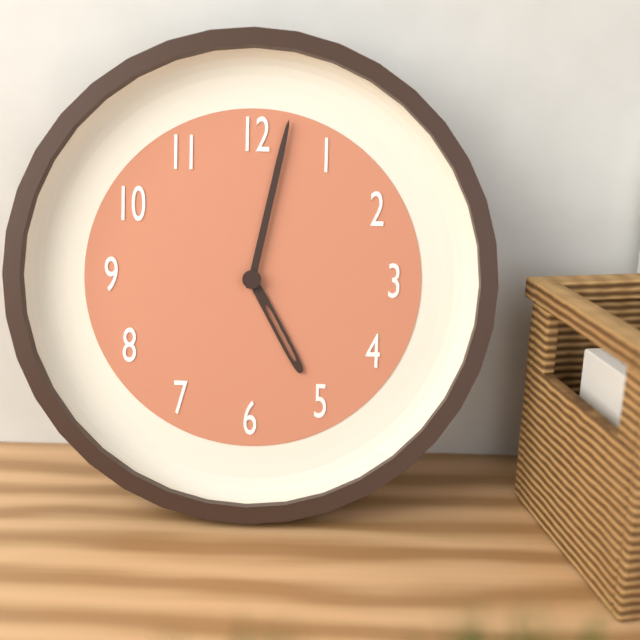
5:02
